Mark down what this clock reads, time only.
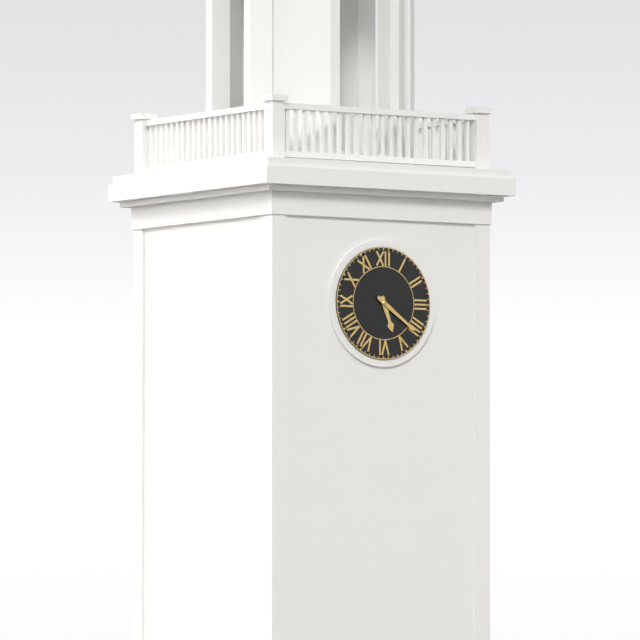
5:21
